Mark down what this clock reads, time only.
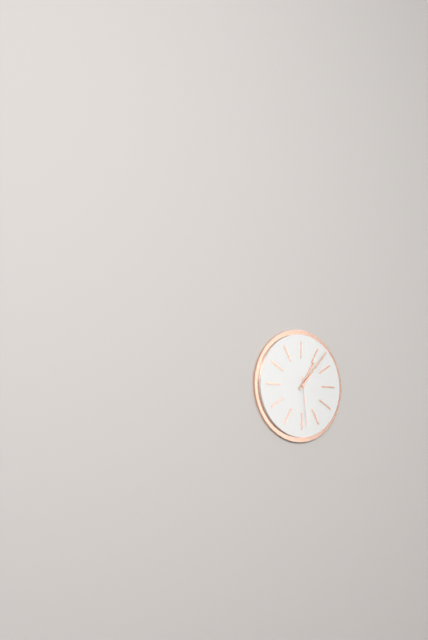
1:07:29
